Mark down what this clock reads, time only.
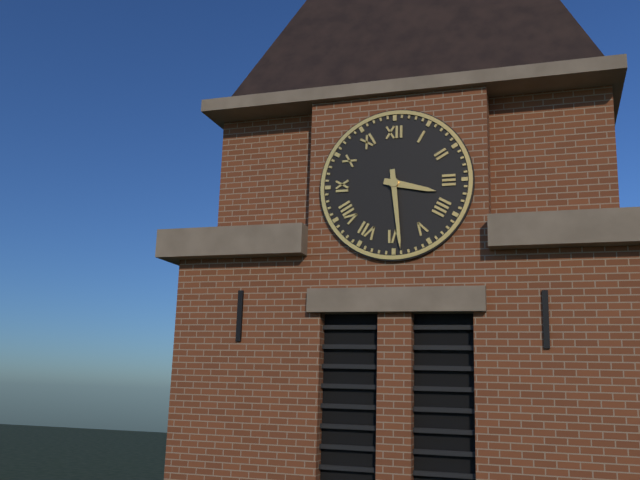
3:29
